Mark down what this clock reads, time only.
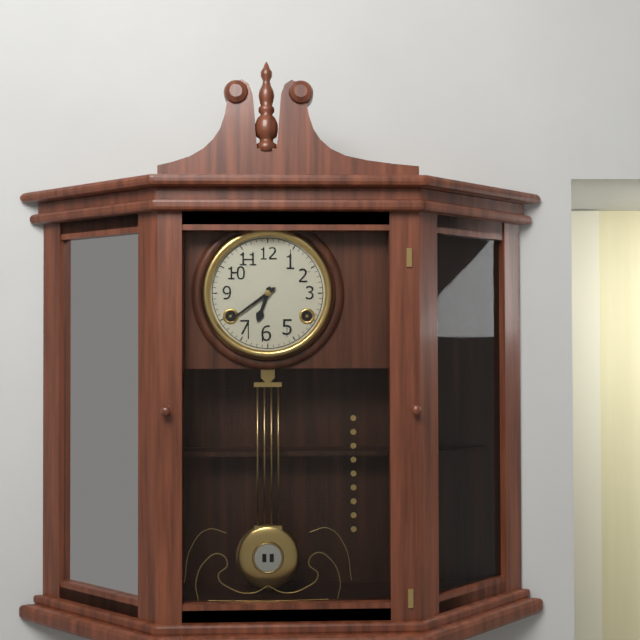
6:39
